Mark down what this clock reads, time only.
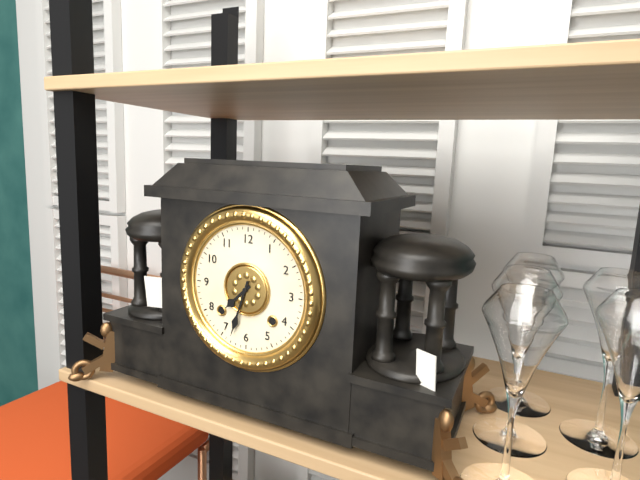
7:33
